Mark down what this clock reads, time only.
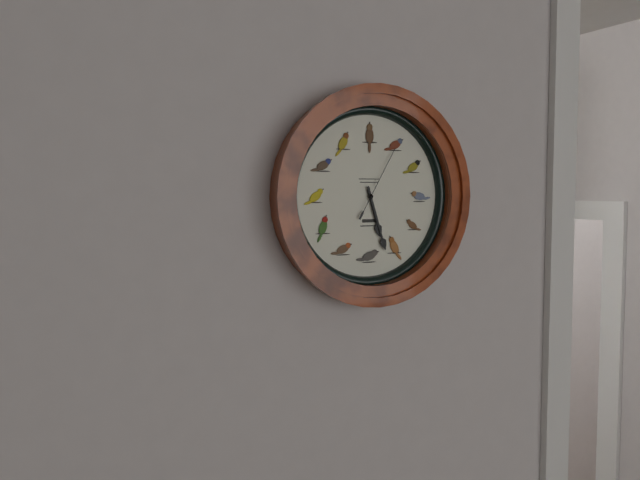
5:27:05
